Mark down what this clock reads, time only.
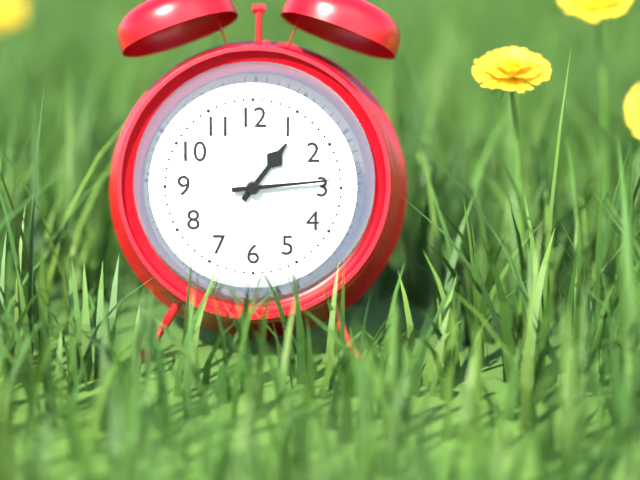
1:14
